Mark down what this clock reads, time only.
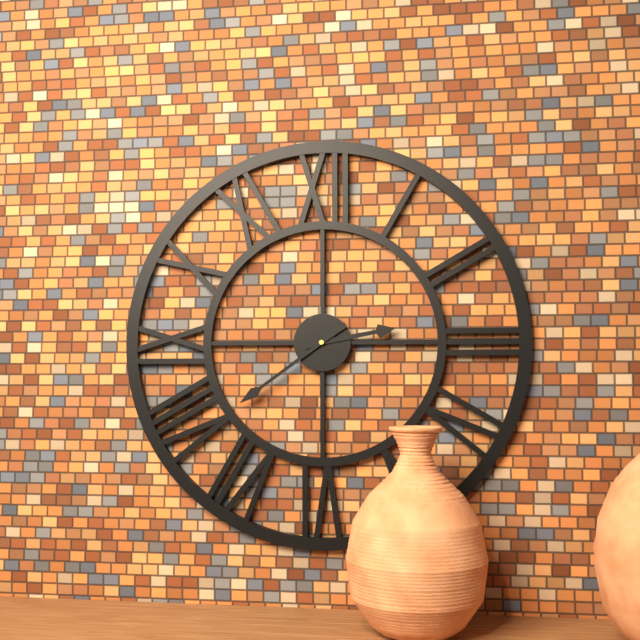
2:39
